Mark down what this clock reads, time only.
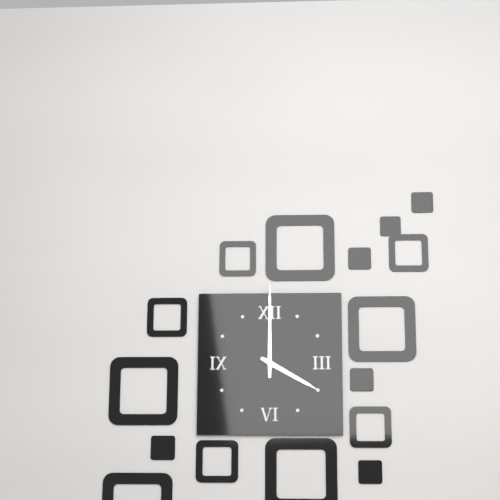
4:00
